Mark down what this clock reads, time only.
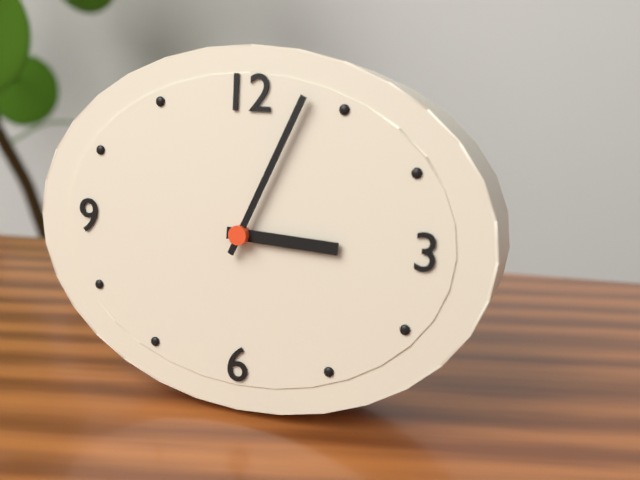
3:04
